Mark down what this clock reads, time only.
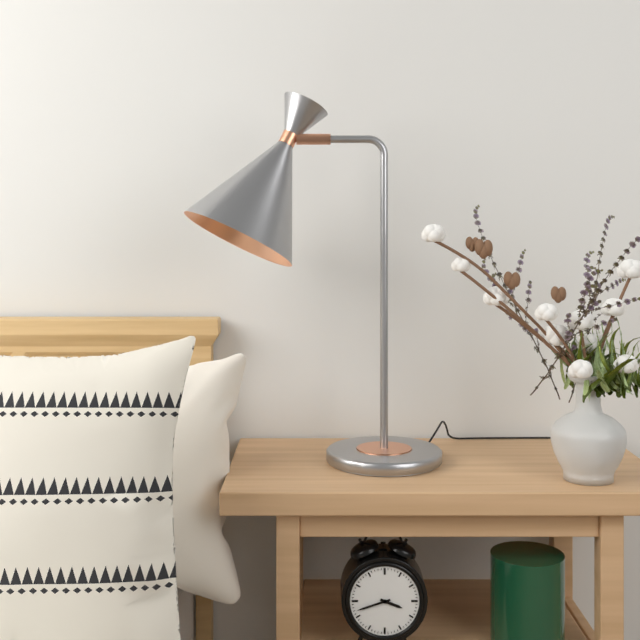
3:42
